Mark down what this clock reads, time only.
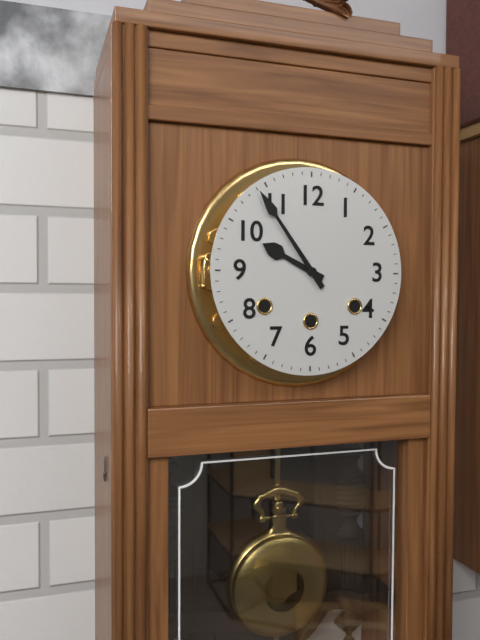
9:54
